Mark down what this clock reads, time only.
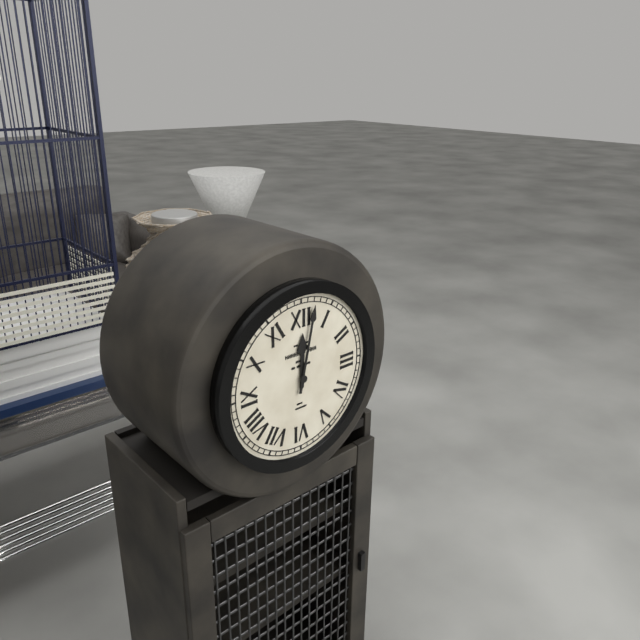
12:02
